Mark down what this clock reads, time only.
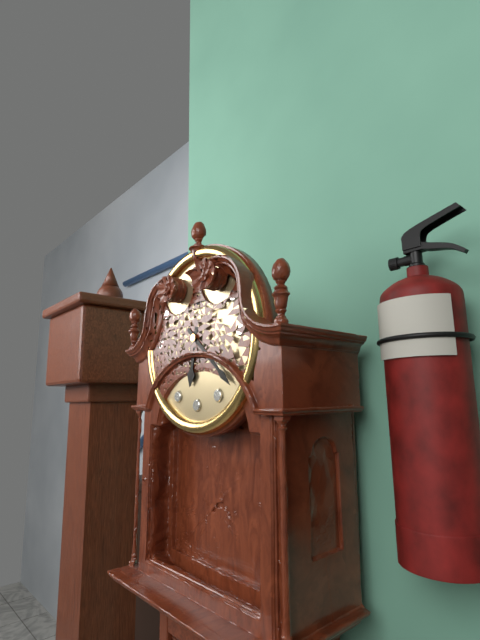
6:22
